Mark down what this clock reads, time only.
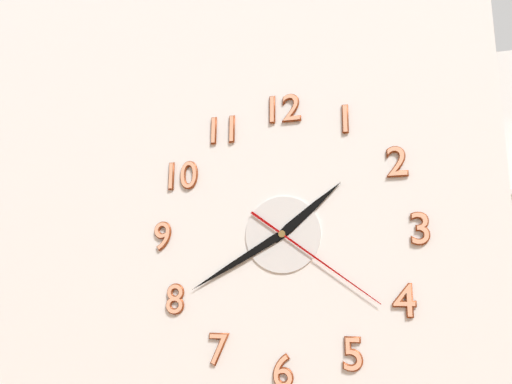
1:40:21
